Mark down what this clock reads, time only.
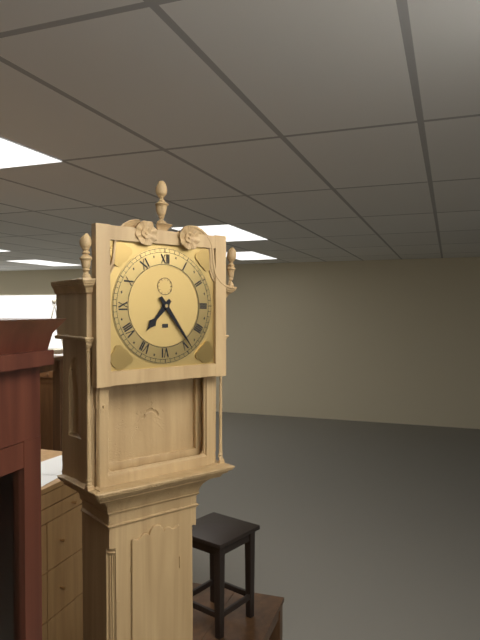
7:24
